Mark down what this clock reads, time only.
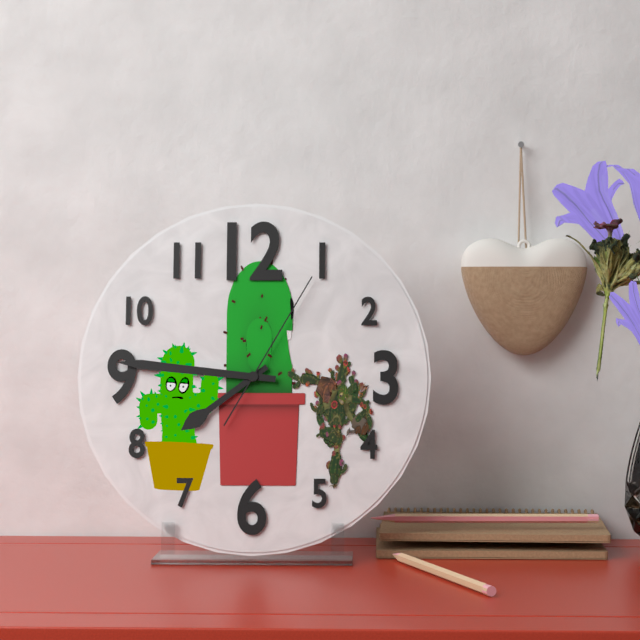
7:46:05
